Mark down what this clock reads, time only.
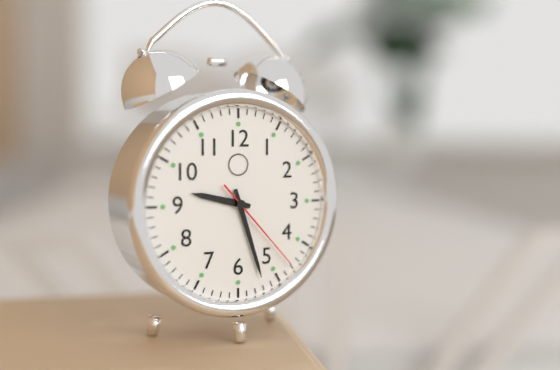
9:27:23
